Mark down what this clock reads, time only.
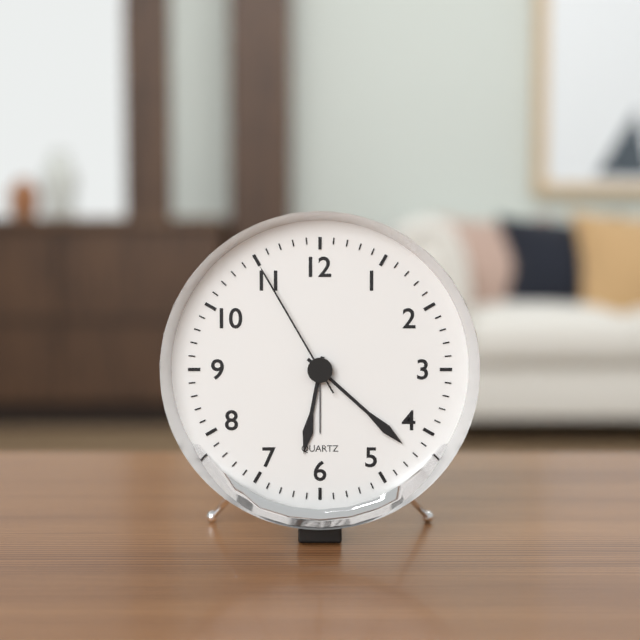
6:22:55
